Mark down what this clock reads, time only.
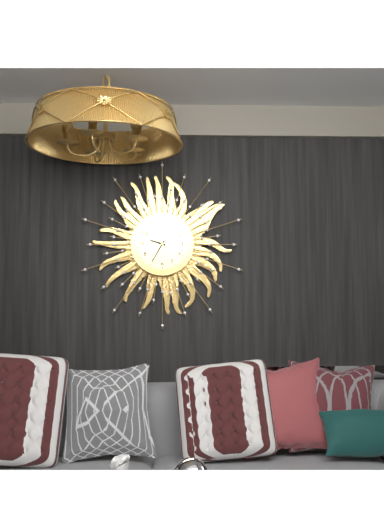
9:35
